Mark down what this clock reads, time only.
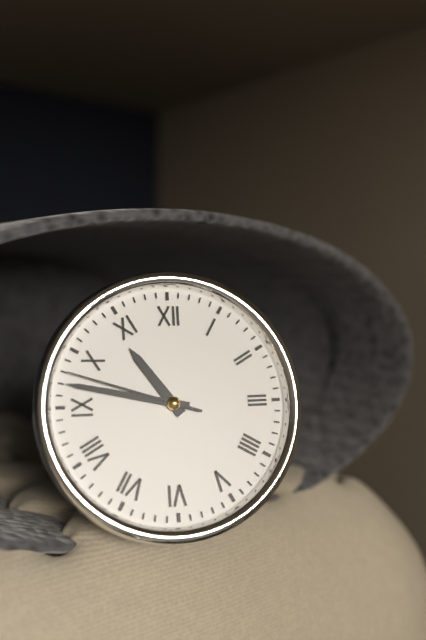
10:47:48
